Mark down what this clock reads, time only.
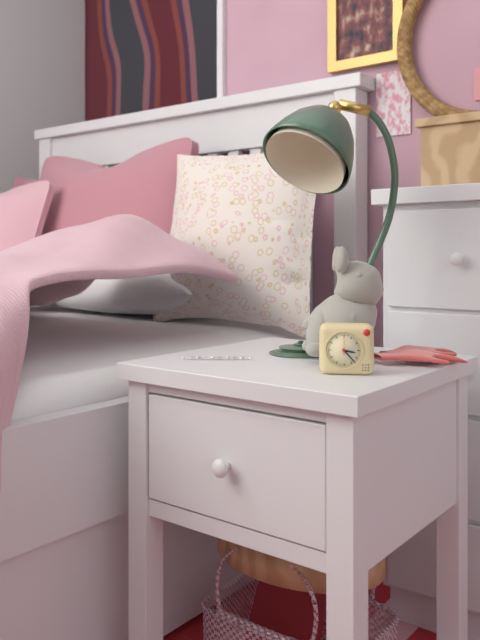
3:23
